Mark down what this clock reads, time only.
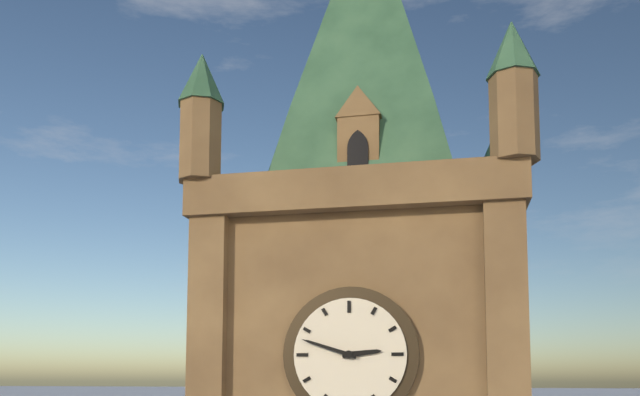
2:48
